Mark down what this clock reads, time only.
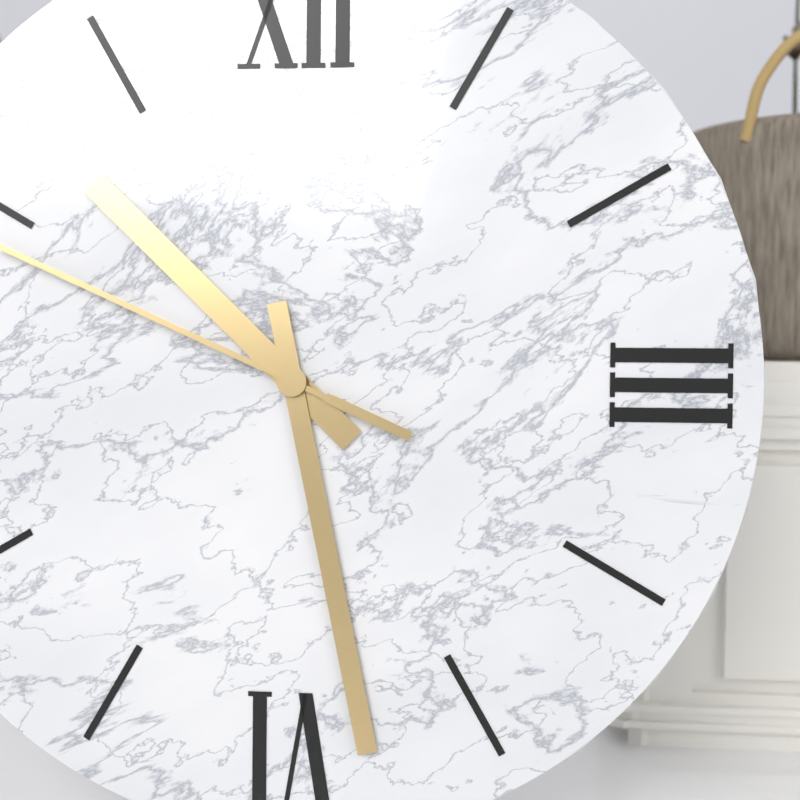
10:28
